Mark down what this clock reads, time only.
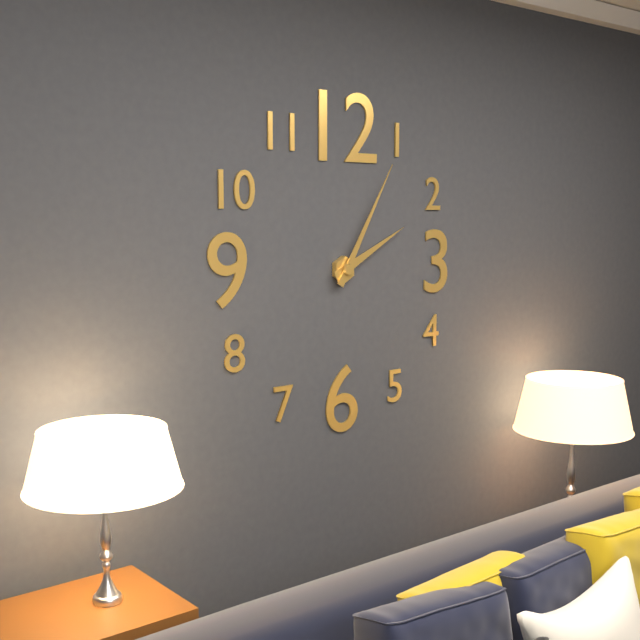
2:05
